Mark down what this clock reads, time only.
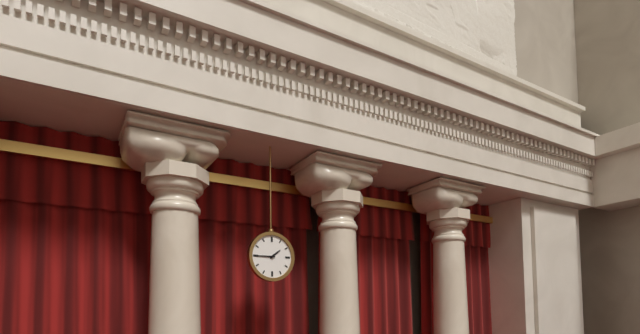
1:45
